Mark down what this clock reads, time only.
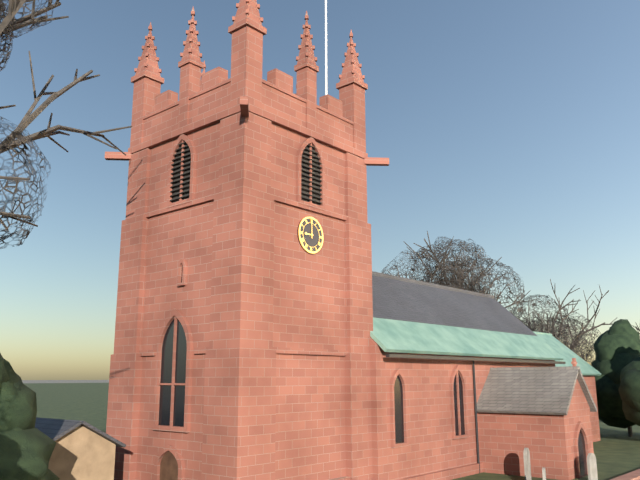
9:00
